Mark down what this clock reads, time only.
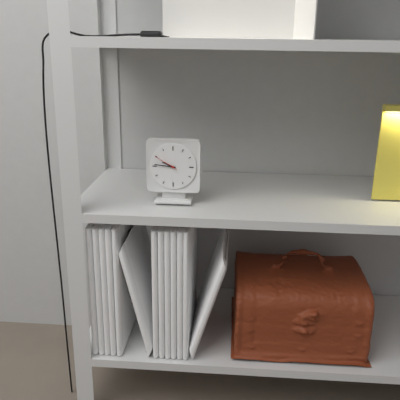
9:46
